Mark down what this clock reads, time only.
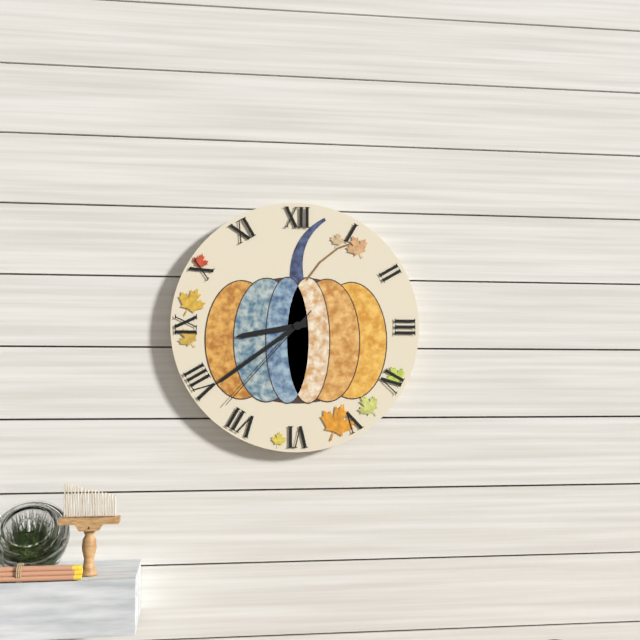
8:39:37
